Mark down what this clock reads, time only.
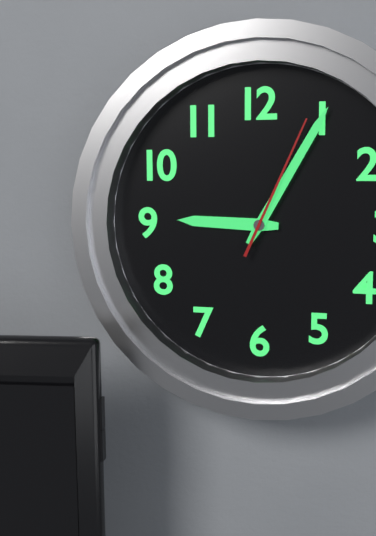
9:05:04
